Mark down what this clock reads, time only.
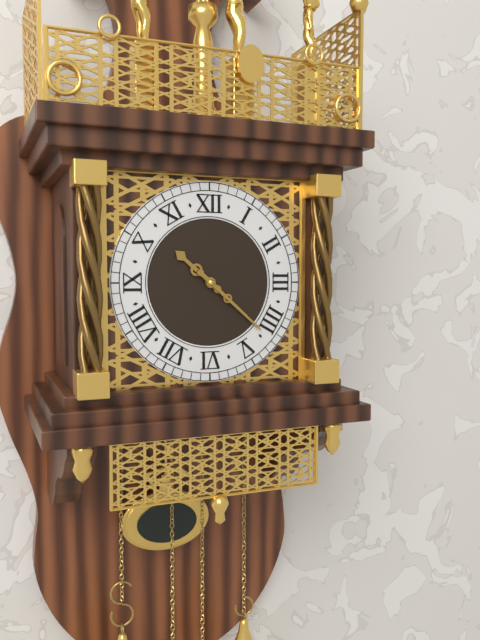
10:22
